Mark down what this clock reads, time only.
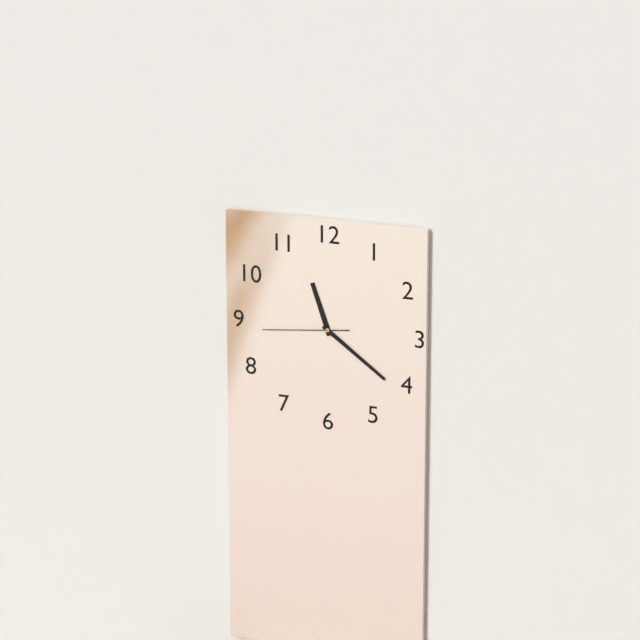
11:21:44
